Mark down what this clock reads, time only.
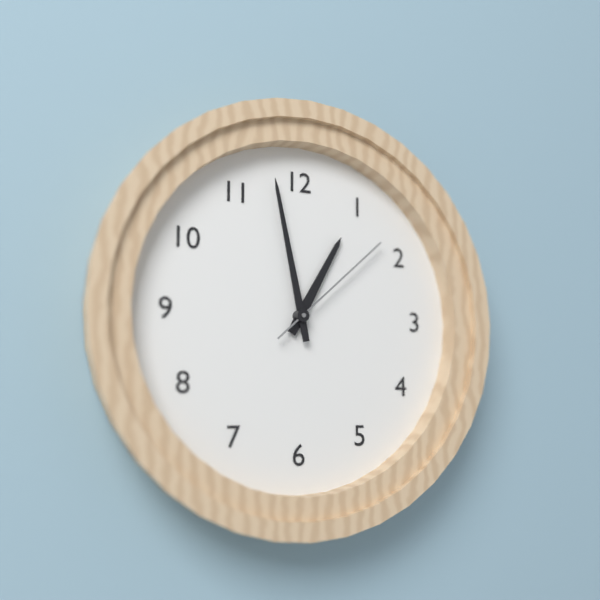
12:58:08
